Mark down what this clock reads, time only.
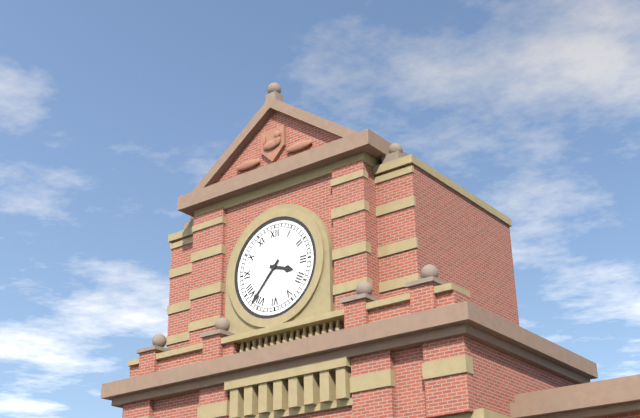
3:37
